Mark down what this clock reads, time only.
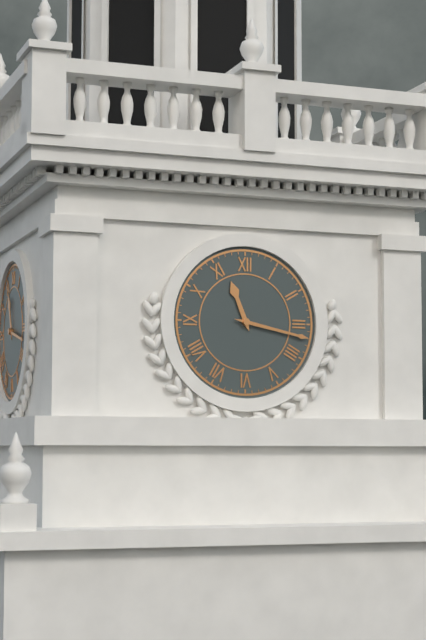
11:17
